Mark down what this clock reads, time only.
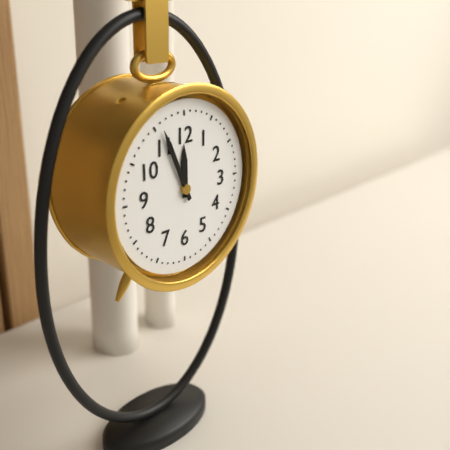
11:56
